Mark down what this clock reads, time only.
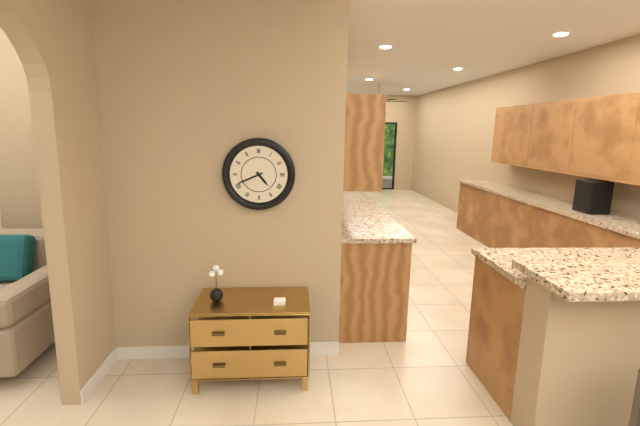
4:41
